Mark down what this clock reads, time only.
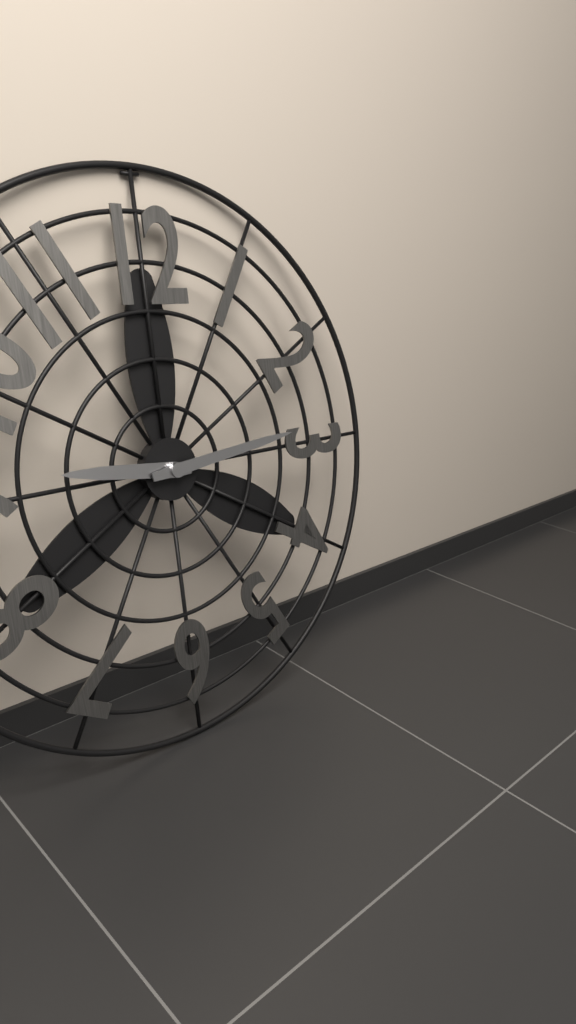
9:14
